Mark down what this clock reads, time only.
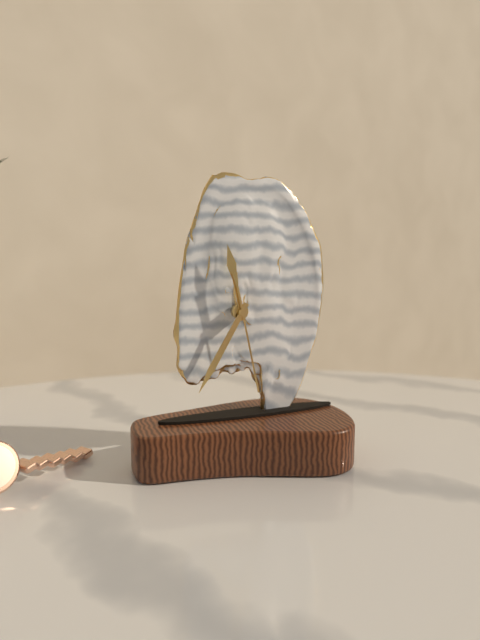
11:35:28
